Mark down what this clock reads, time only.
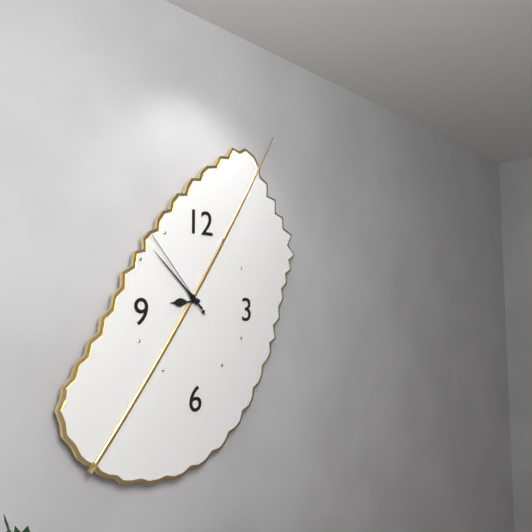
8:52:53
